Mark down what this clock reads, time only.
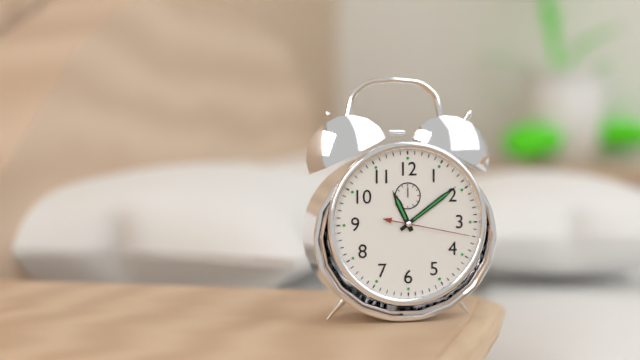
11:09:17
